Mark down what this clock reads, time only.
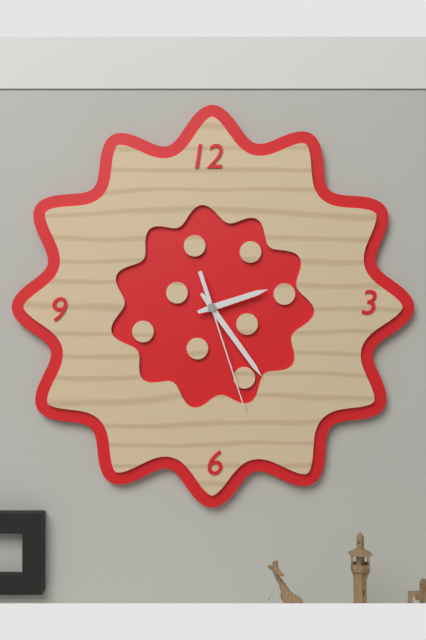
2:24:27
